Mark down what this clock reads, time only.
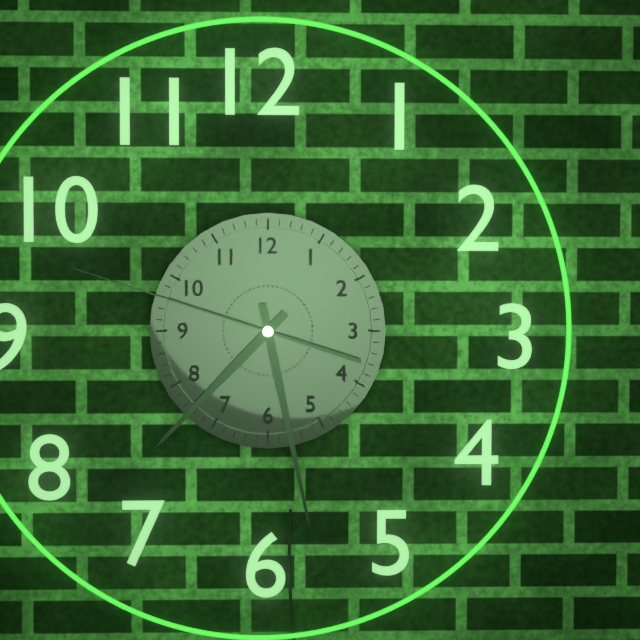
7:28:48
